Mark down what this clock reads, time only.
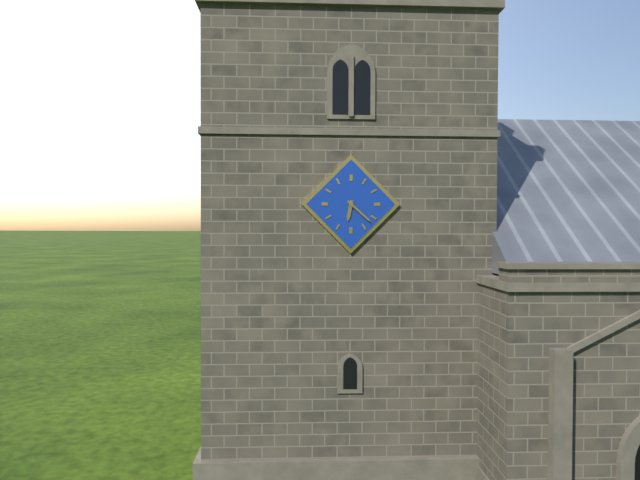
6:22
